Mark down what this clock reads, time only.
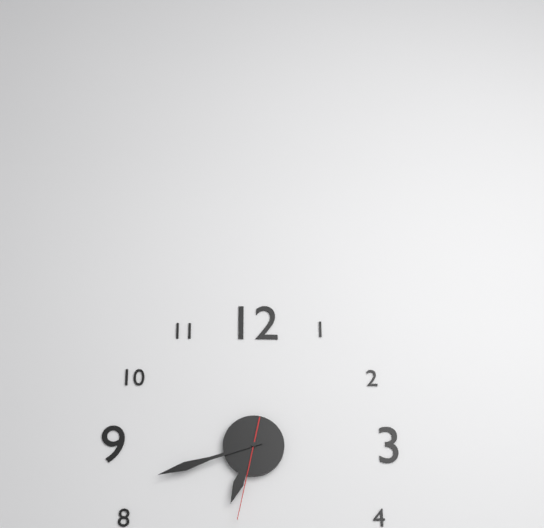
6:42:32
